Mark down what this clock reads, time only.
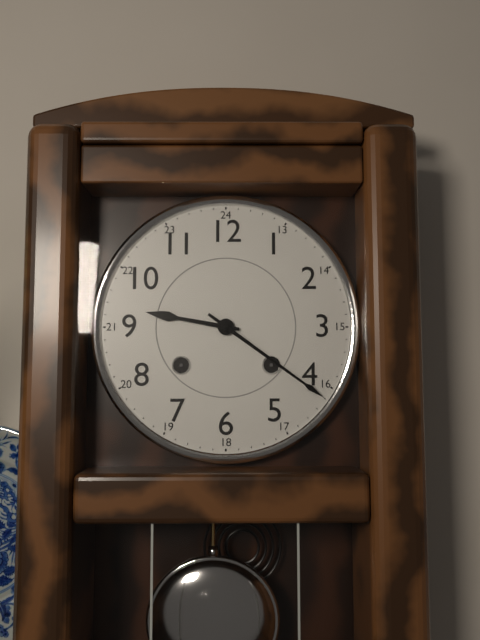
9:21
